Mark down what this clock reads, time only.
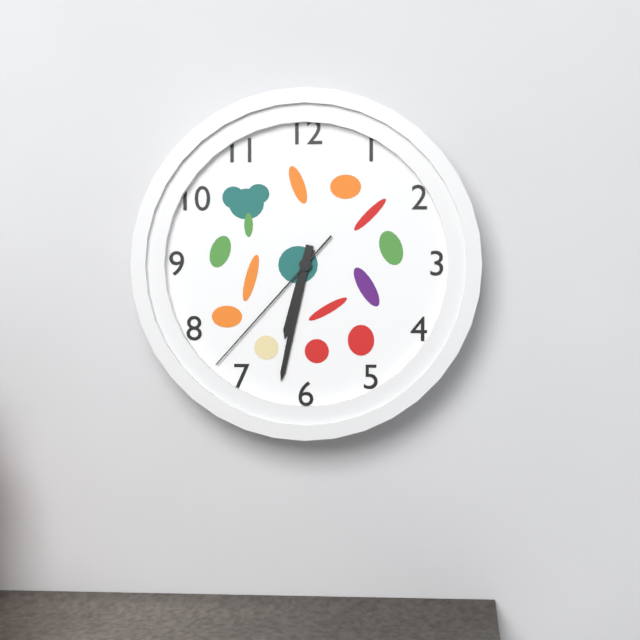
6:32:37
